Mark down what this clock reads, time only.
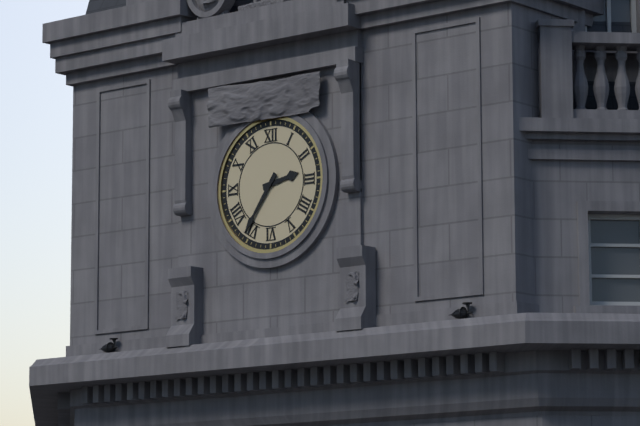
2:36
